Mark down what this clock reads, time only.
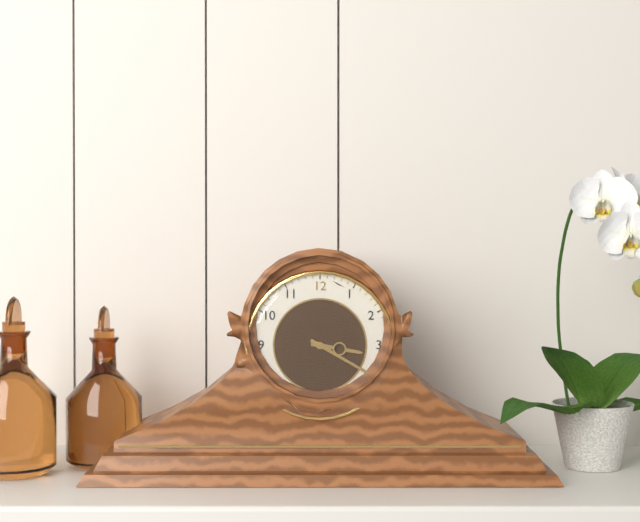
3:20
